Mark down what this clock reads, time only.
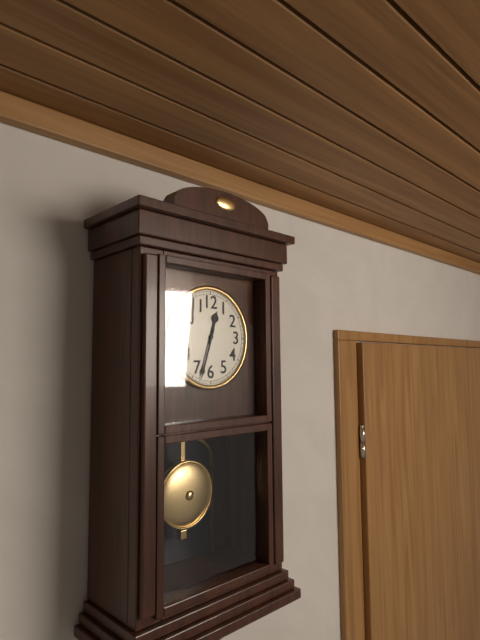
12:33
